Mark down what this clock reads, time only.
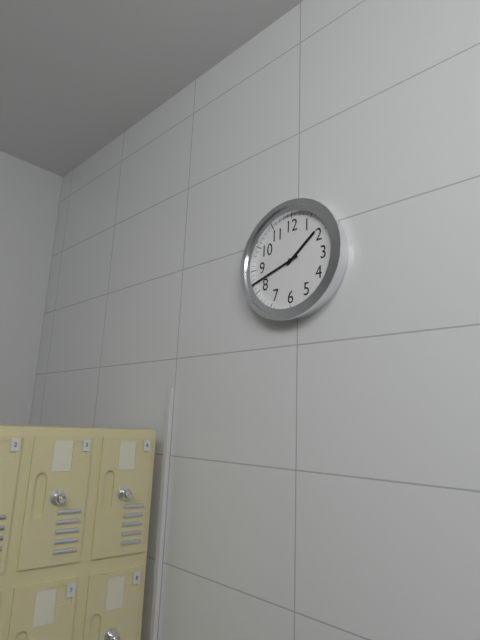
1:42
